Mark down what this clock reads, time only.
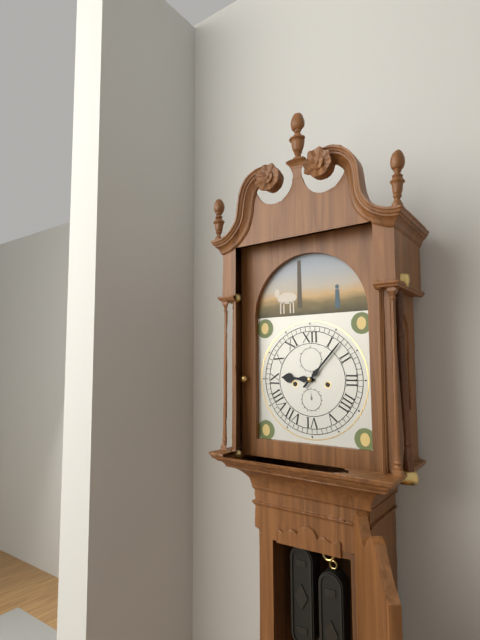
9:07
